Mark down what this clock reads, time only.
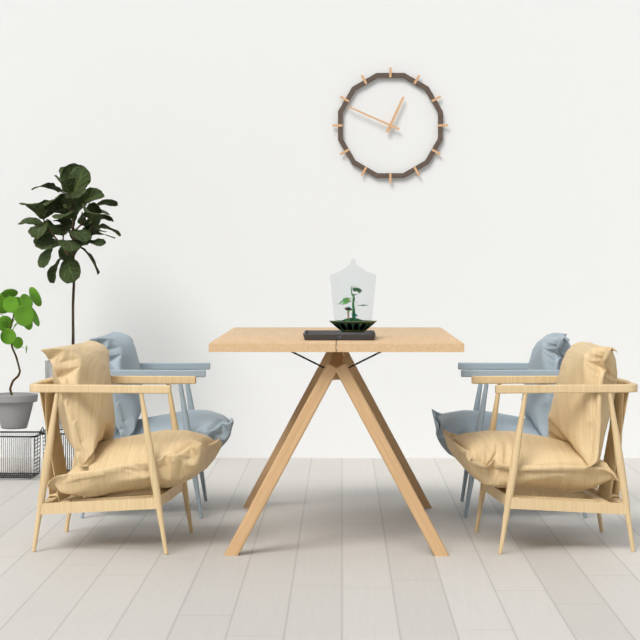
12:49
